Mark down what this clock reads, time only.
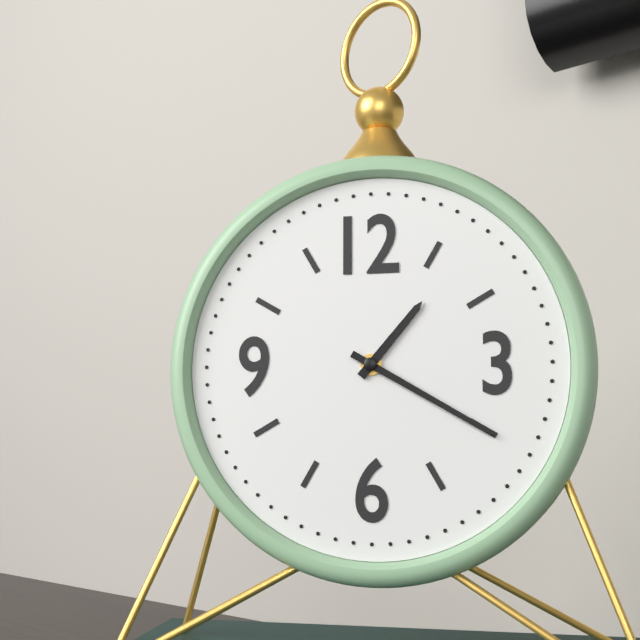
1:20
